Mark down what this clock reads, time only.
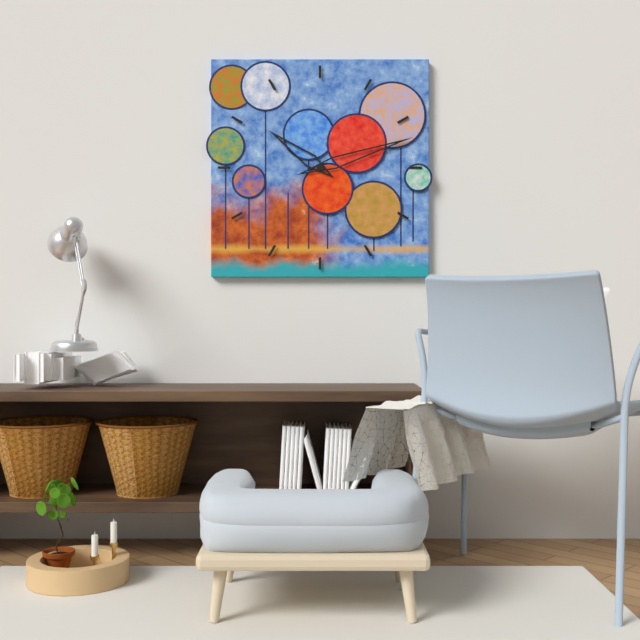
10:12
